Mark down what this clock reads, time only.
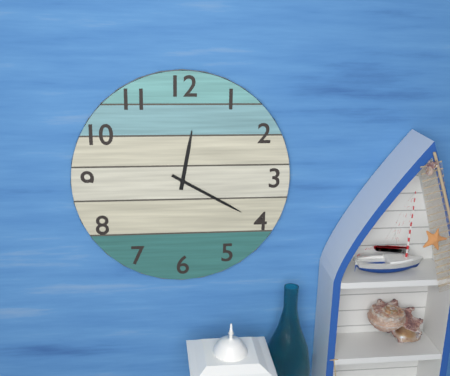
12:20
